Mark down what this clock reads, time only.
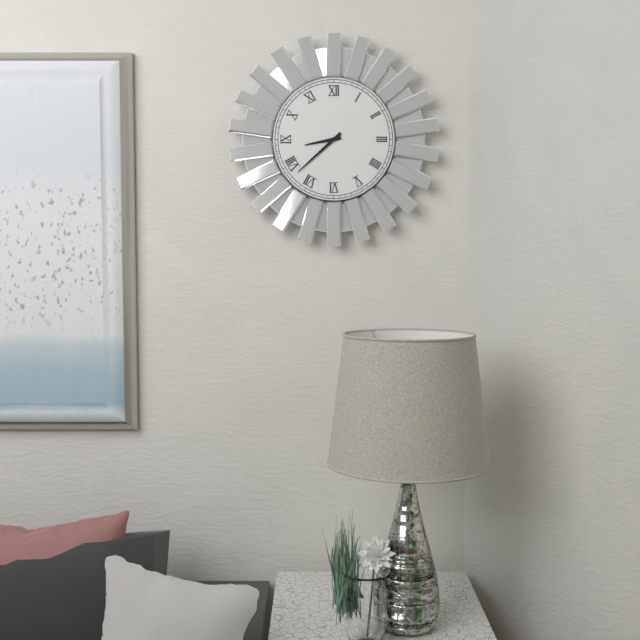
8:38
